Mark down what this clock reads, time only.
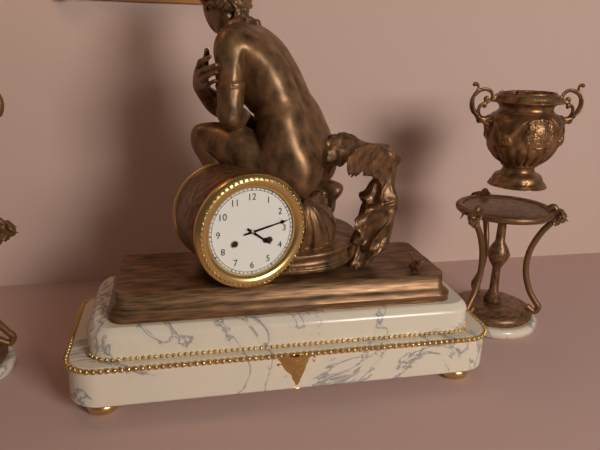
4:13
